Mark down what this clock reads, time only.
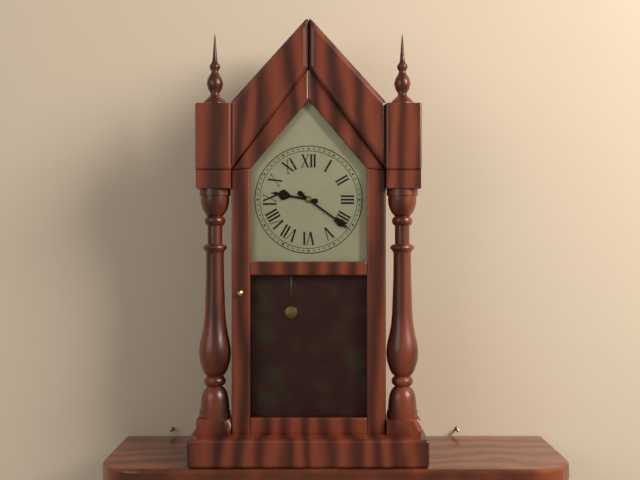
9:21
